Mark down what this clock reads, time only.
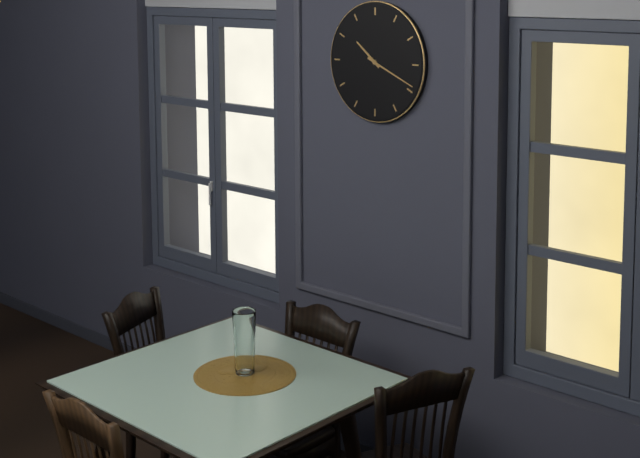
10:19
